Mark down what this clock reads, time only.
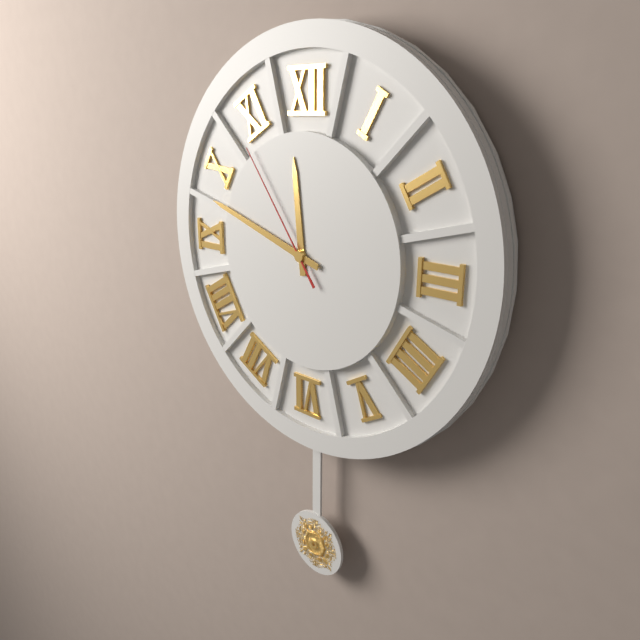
11:48:54
